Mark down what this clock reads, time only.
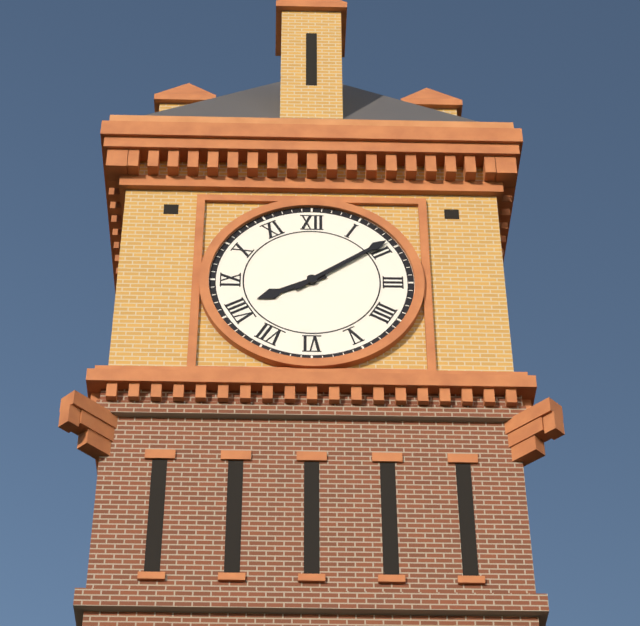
8:09
